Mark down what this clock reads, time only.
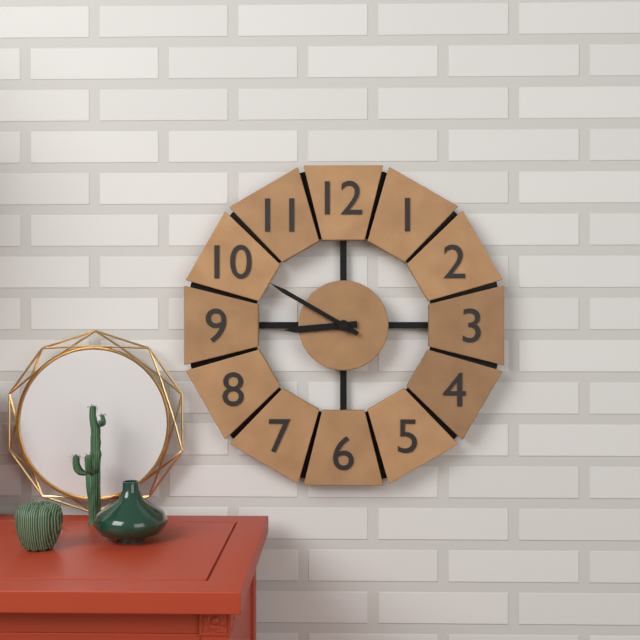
8:50
